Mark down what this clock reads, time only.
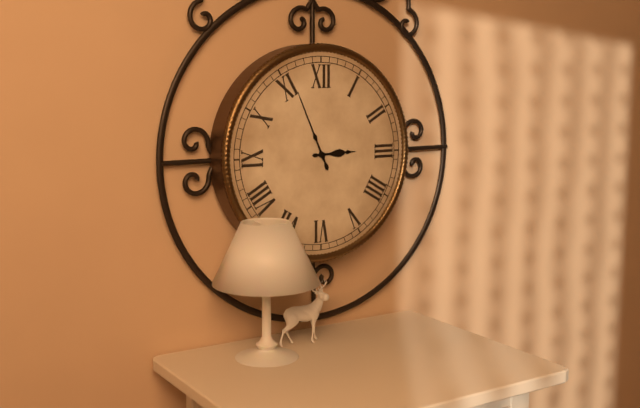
2:56
